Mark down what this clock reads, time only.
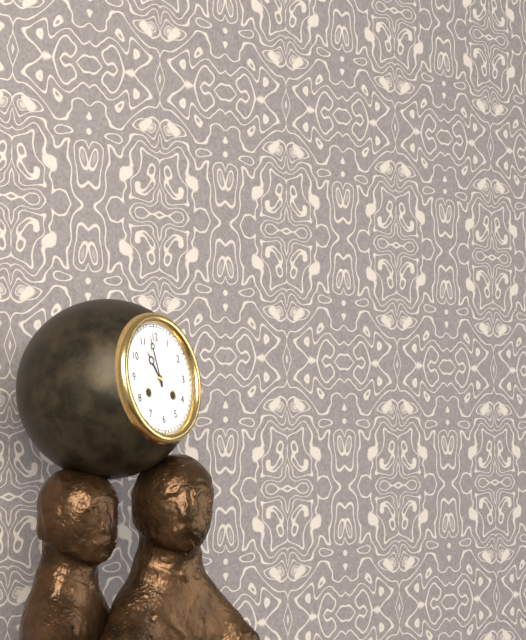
10:58
